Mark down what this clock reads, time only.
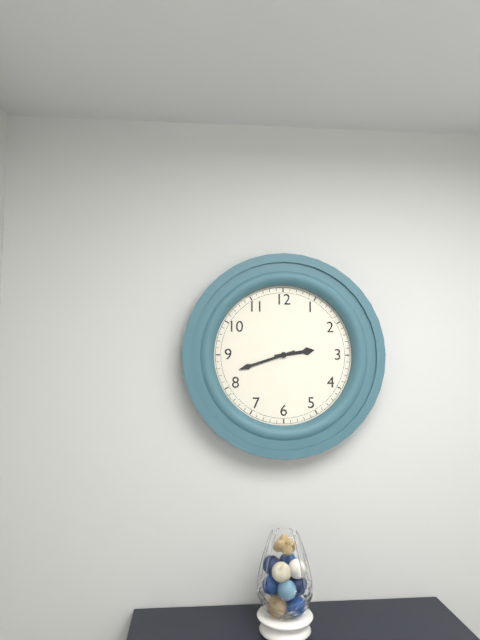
2:42
